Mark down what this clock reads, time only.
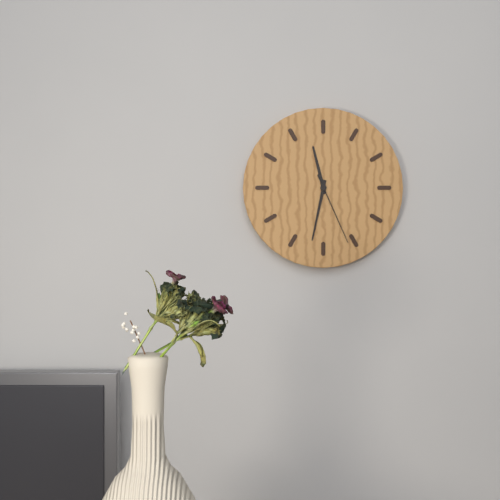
11:32:26
